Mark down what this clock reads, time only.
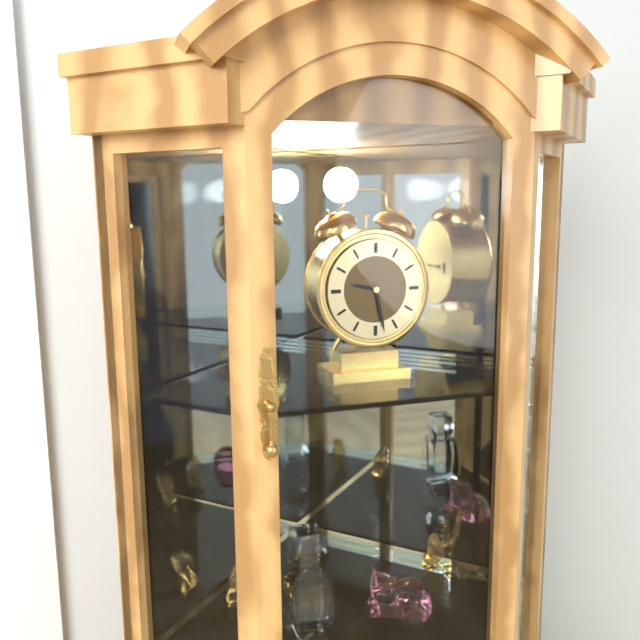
9:28
